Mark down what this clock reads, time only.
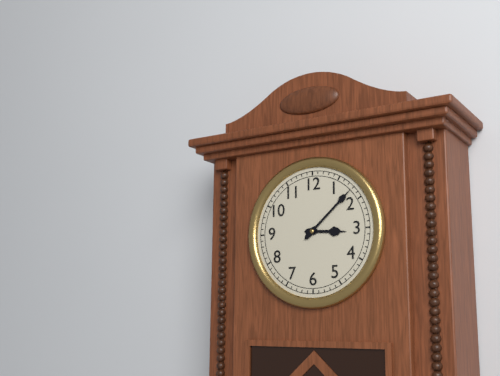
3:08
